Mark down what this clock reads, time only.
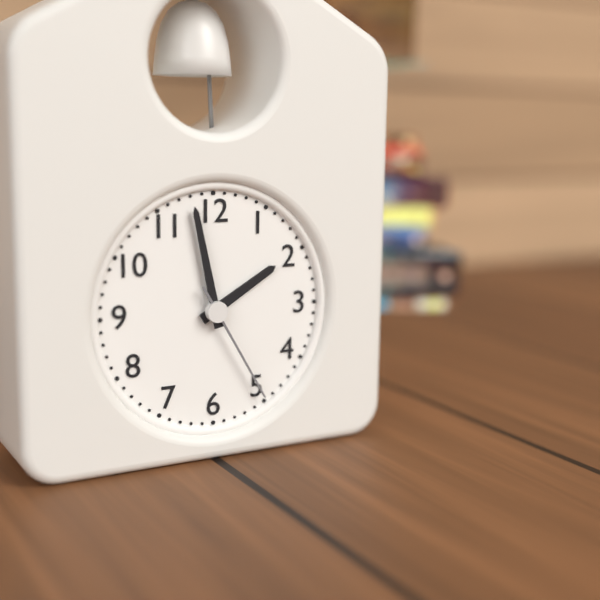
1:58:25
